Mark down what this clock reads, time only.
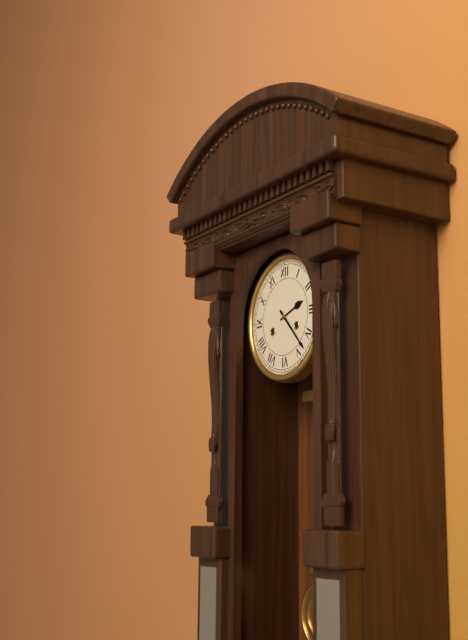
2:23
